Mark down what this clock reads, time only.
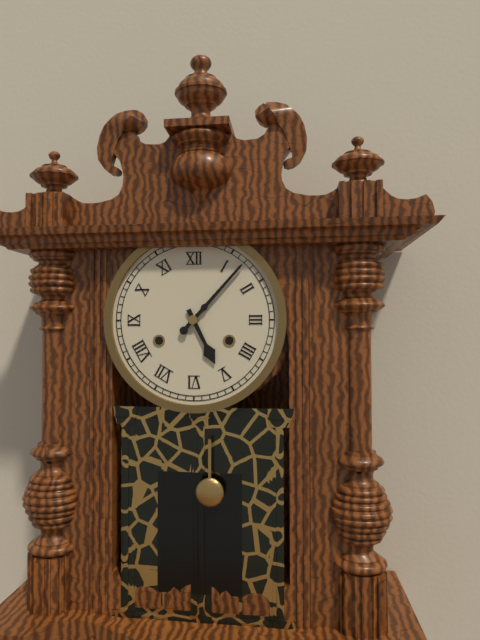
5:07
